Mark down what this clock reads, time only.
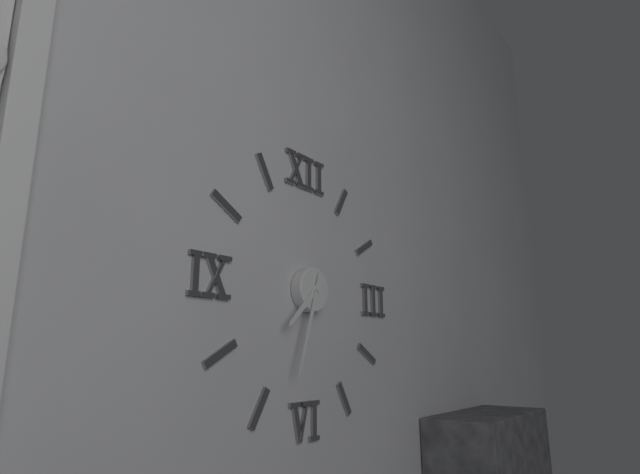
7:33
